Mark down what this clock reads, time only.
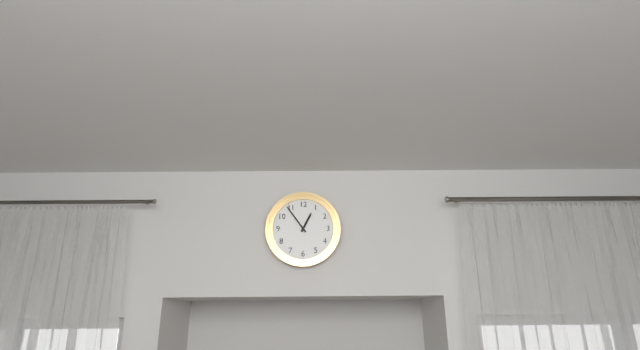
12:54
